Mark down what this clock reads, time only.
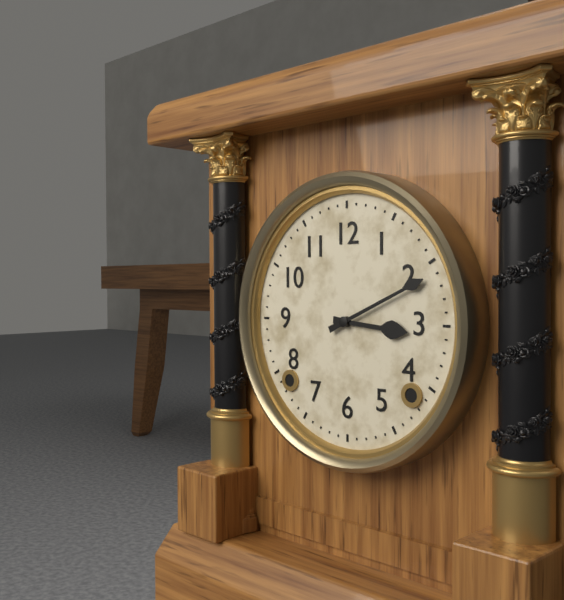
3:11
